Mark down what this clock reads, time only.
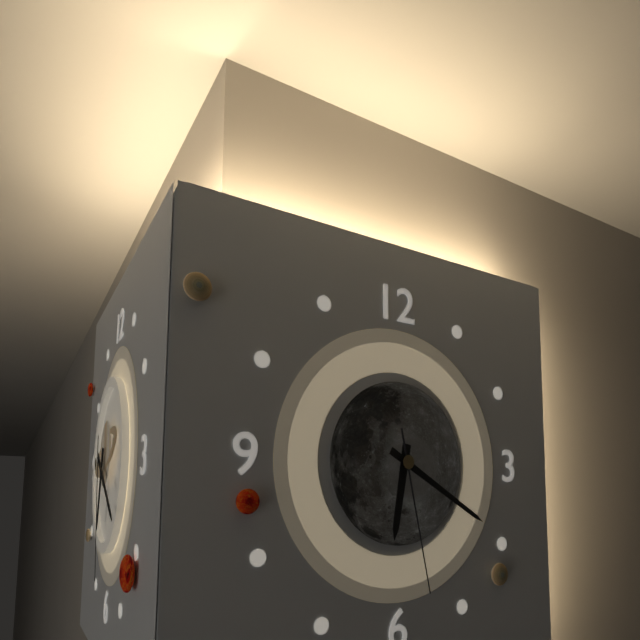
6:20:28
